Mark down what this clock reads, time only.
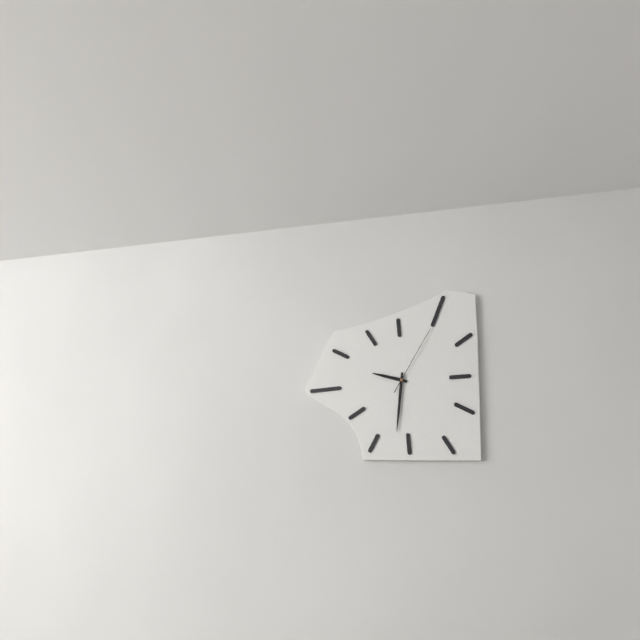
9:31:05
